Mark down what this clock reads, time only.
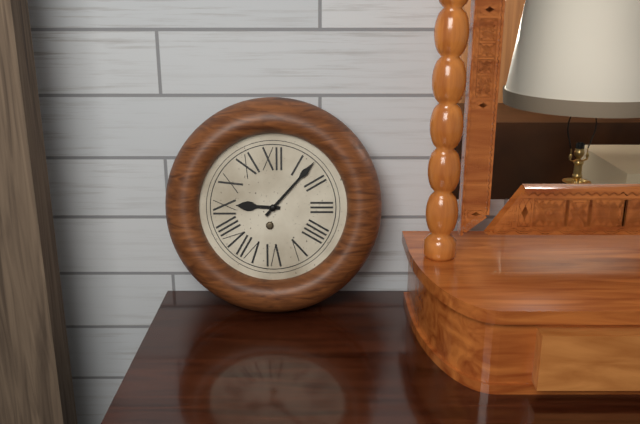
9:07
